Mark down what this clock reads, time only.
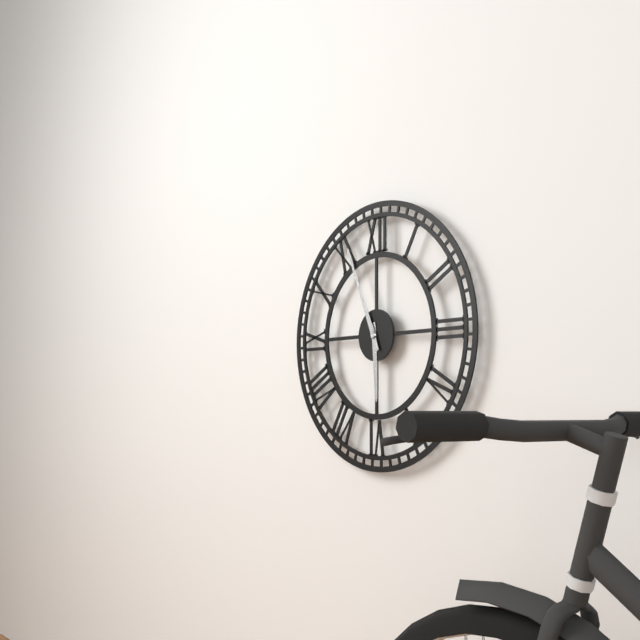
5:56
